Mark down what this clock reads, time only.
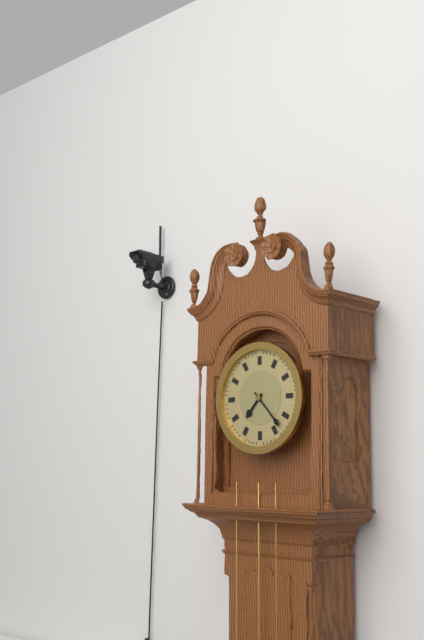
7:23
